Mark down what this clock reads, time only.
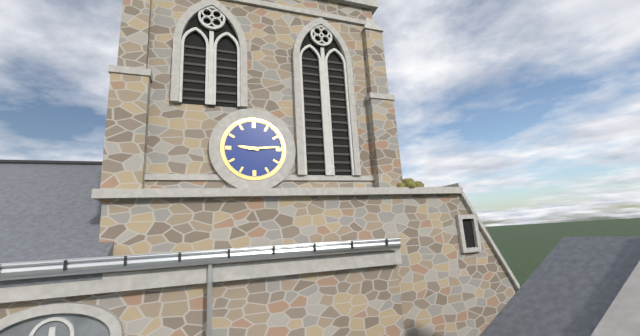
9:14
